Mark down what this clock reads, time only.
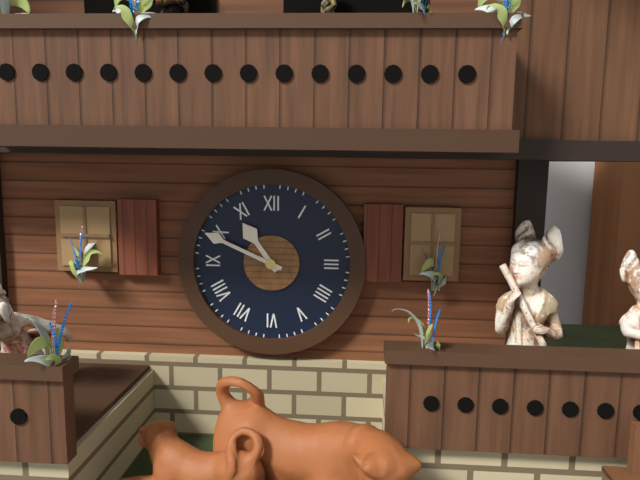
10:49
